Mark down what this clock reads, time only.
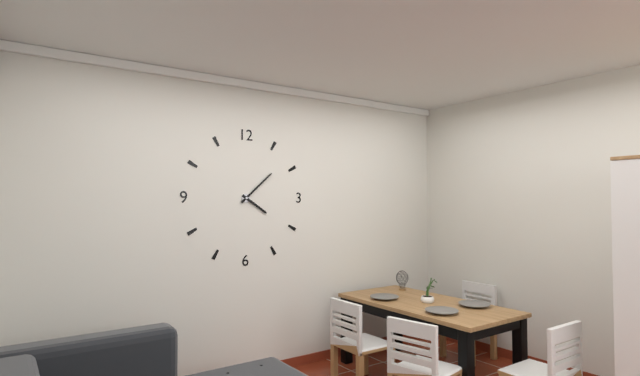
4:08
